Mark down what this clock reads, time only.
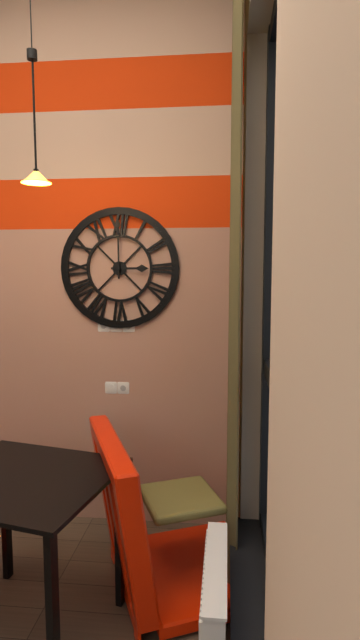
3:00
